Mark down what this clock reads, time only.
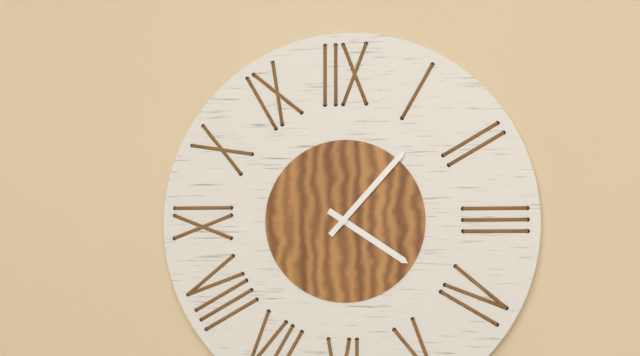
4:07
